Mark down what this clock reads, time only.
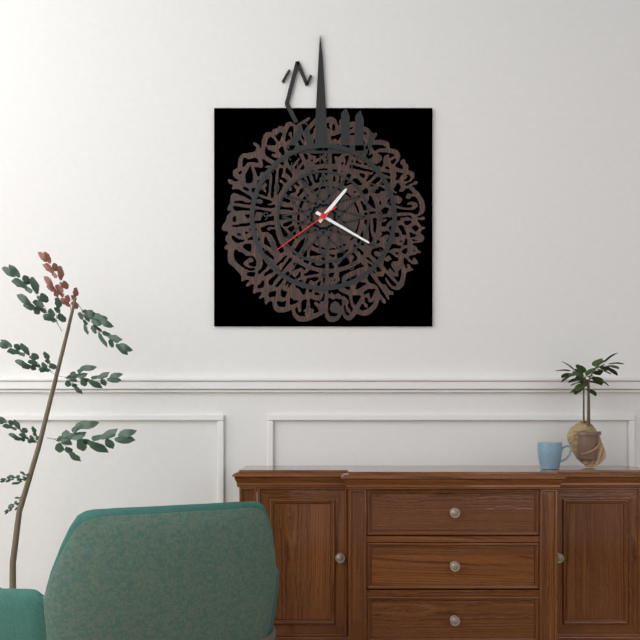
1:20:39
